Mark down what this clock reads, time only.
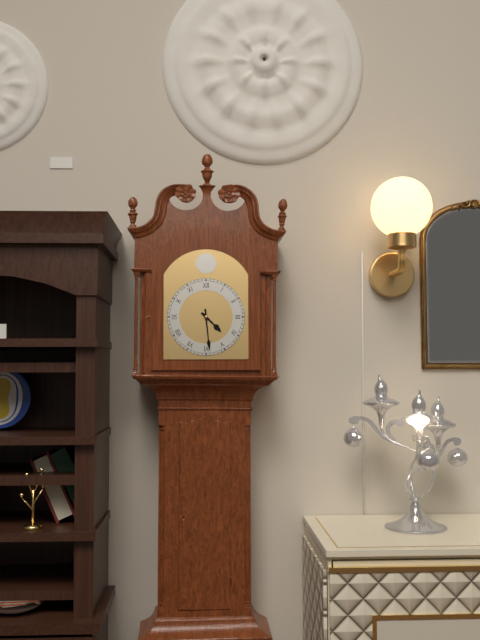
4:29
